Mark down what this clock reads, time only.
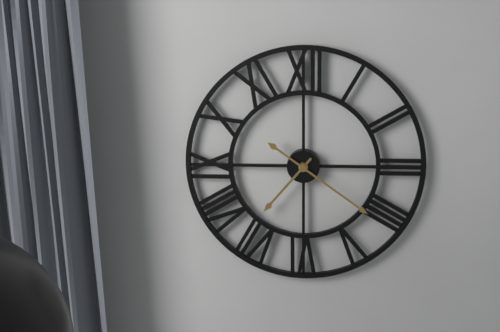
7:21
